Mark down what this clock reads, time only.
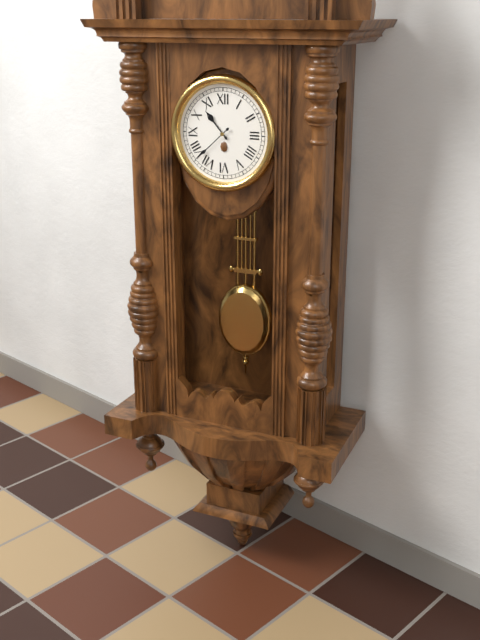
10:38
